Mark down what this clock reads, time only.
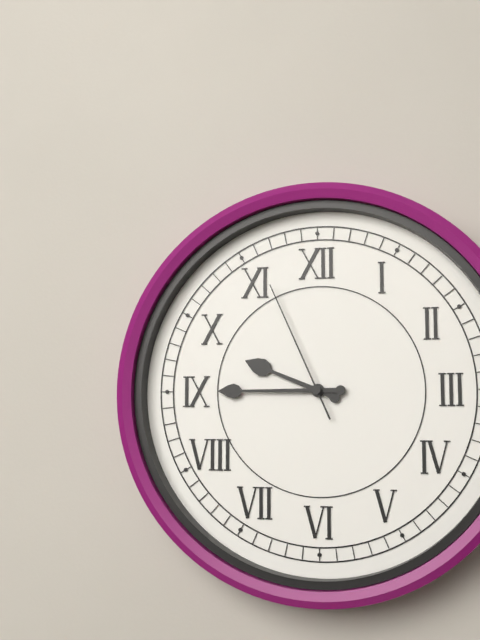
9:45:56
